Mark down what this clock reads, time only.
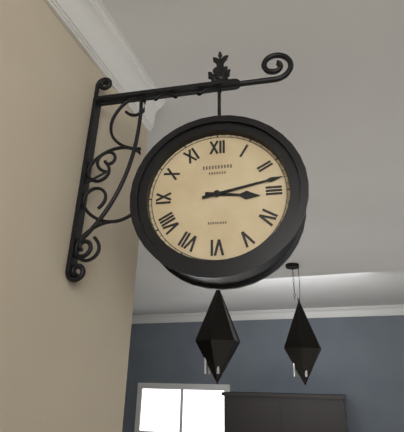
3:13
